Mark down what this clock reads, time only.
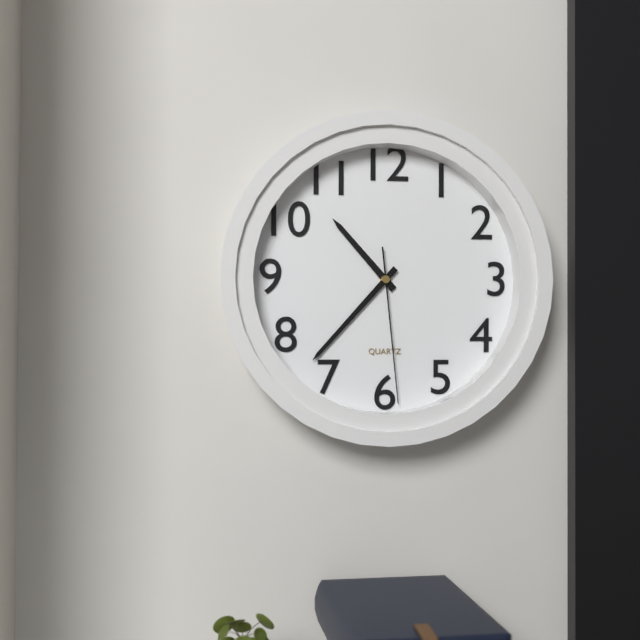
10:37:29
